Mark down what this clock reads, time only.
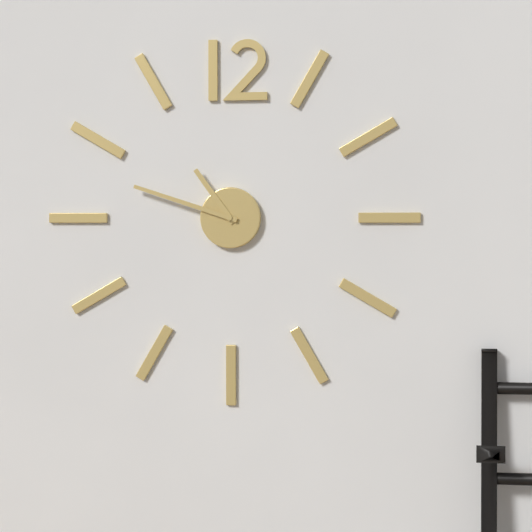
10:48
